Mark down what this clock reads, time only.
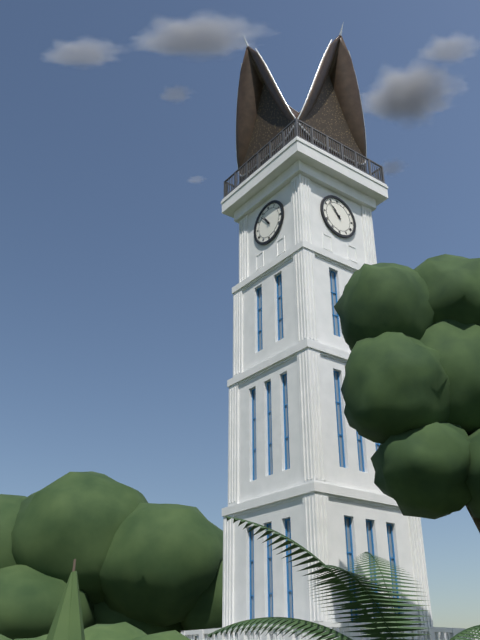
10:53
